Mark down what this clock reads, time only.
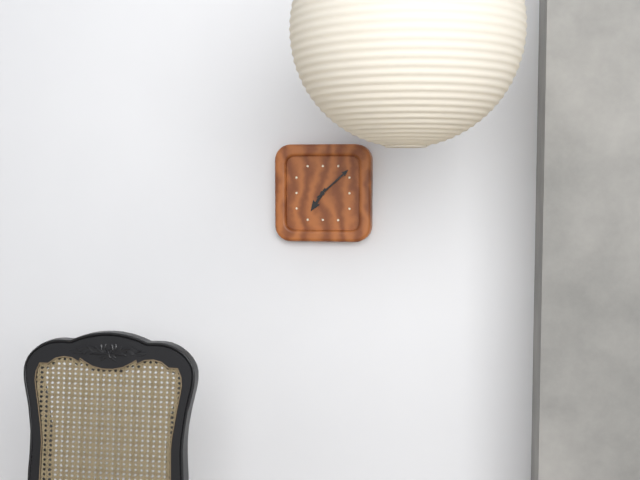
7:08
